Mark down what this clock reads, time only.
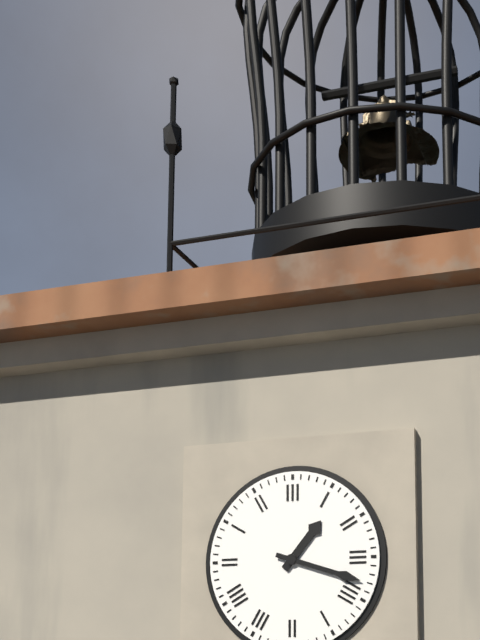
1:18
